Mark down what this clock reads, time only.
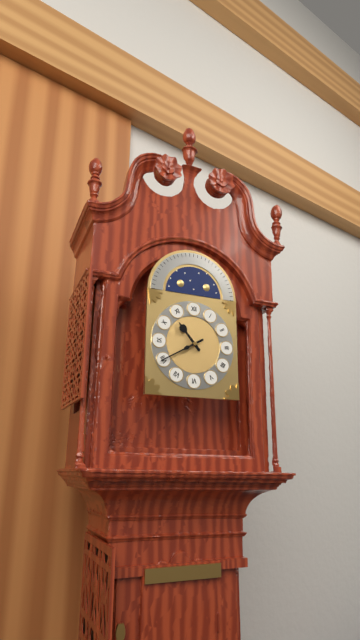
10:40
